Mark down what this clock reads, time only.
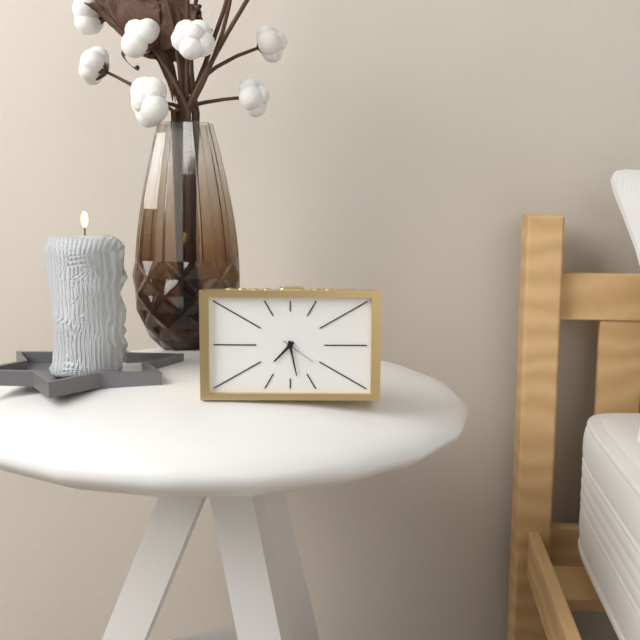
7:28
